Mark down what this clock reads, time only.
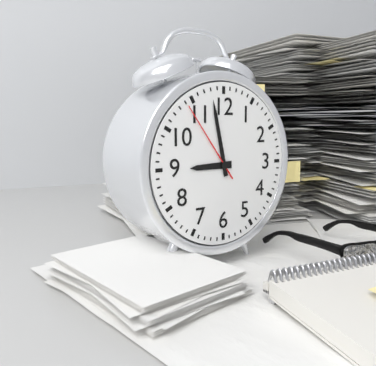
8:58:54
